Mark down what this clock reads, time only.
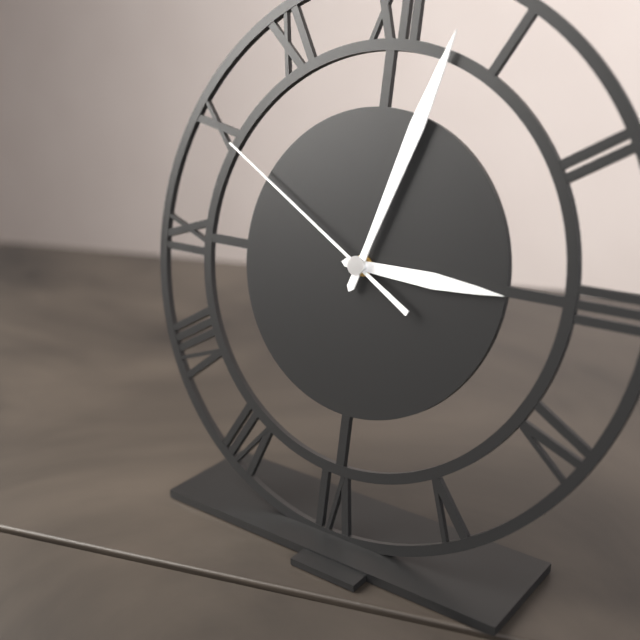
3:03:50
